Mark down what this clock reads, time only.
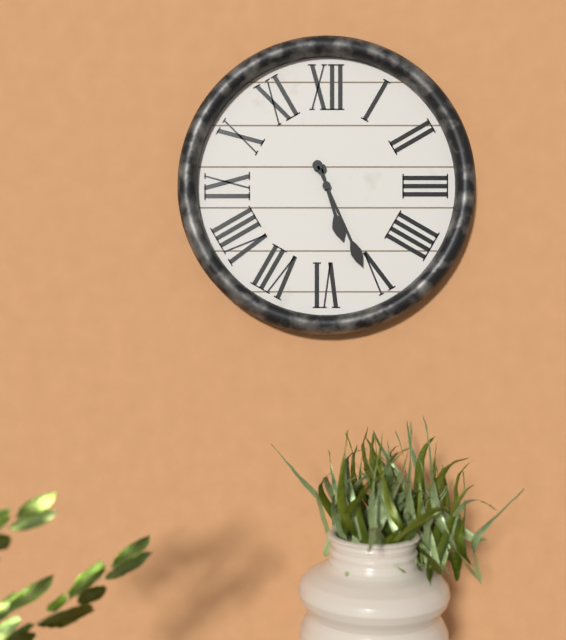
5:26
